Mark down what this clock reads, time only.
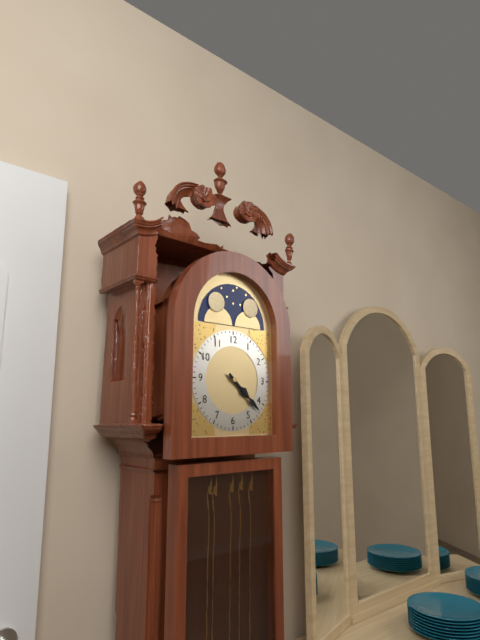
4:22
